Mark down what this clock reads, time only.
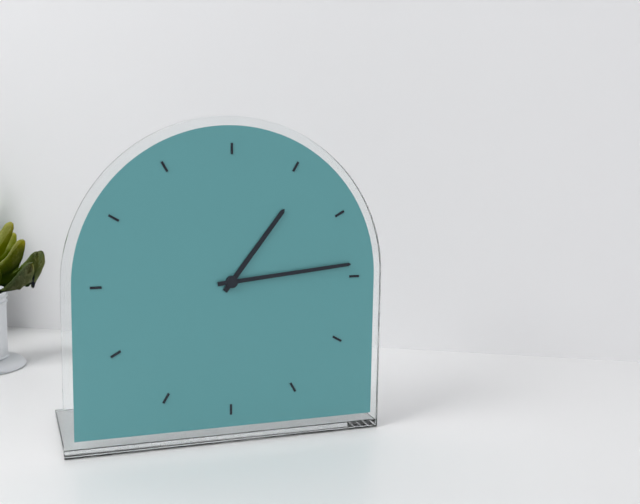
1:14
